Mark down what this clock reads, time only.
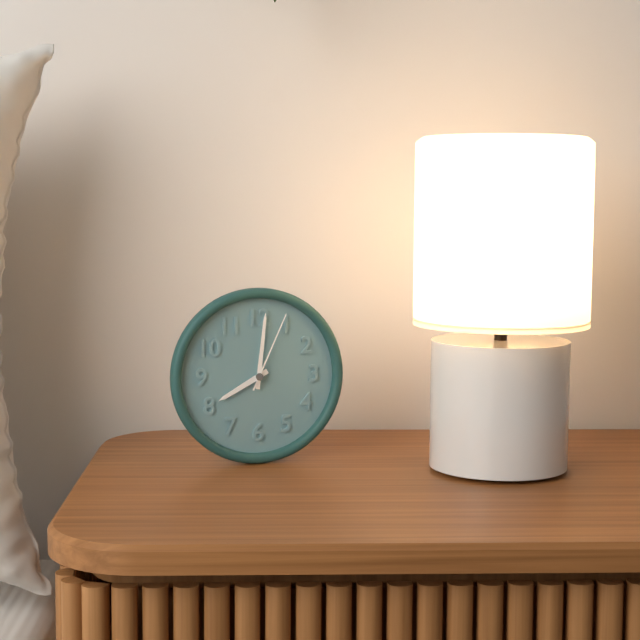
8:01:04
